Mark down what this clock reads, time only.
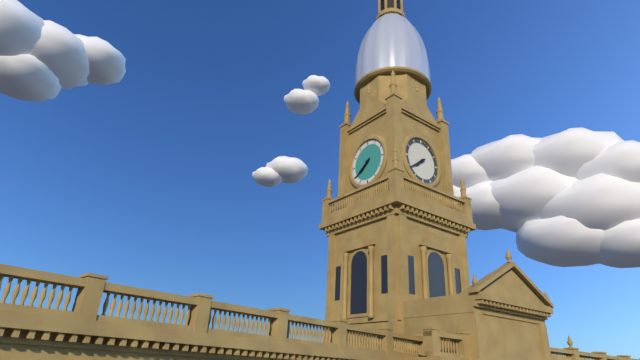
7:39
